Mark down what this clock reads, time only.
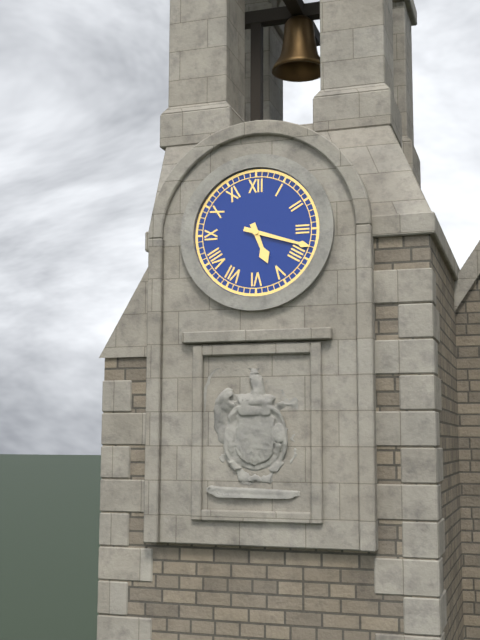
5:18
